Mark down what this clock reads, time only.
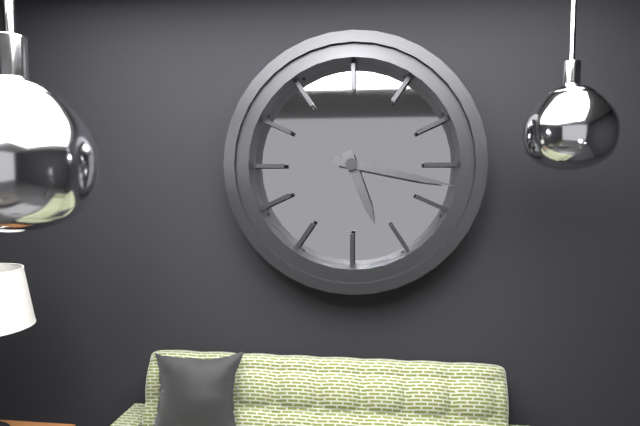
5:17
